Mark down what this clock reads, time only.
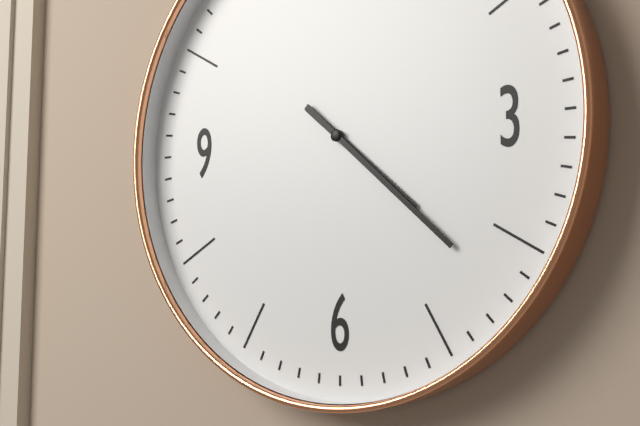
4:22
